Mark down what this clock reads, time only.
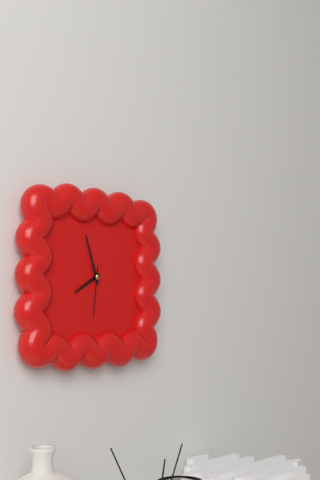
7:57:31
